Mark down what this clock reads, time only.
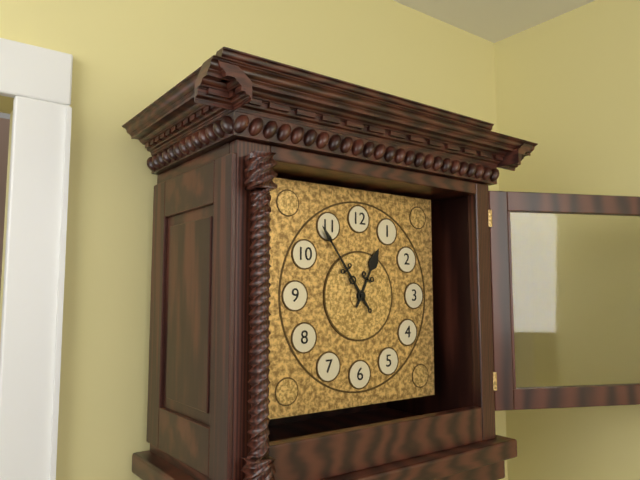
12:54
